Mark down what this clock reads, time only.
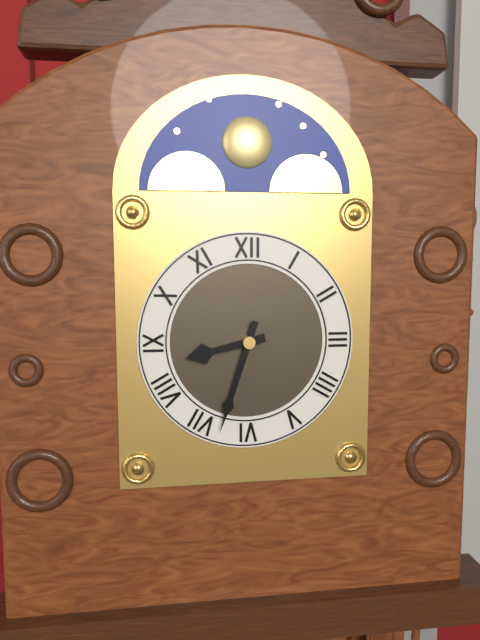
8:33
